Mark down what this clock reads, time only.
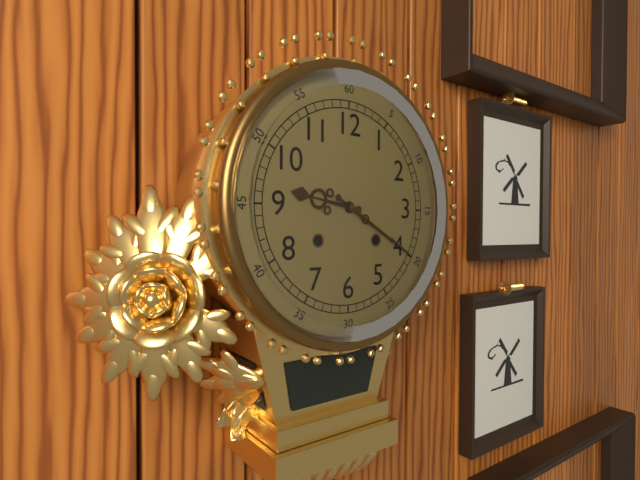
9:20
